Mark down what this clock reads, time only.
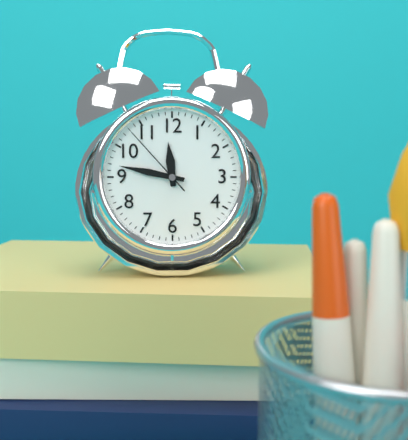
11:47:53
